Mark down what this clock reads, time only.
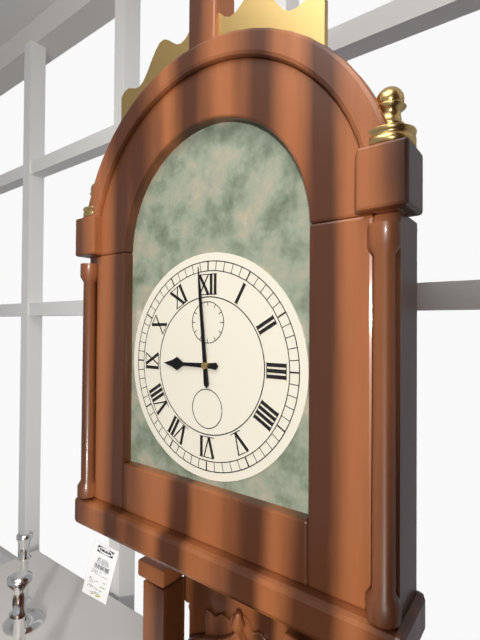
8:59
